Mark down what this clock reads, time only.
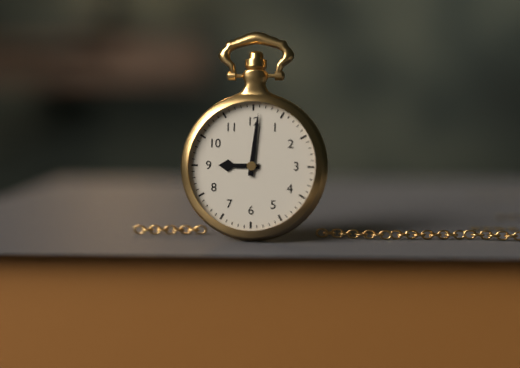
9:01
